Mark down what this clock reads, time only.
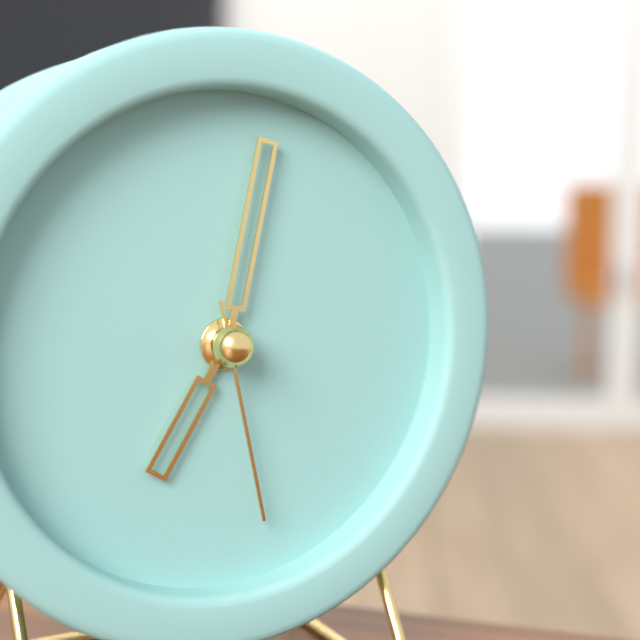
7:02:28
